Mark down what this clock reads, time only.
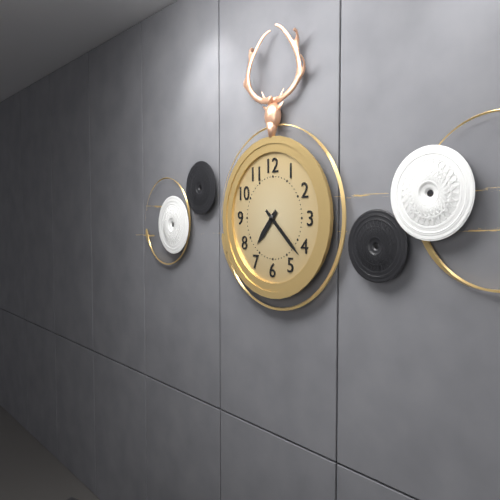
7:22
